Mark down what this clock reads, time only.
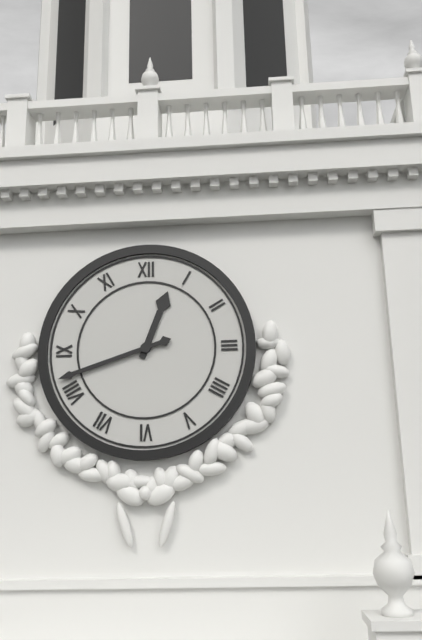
12:42
